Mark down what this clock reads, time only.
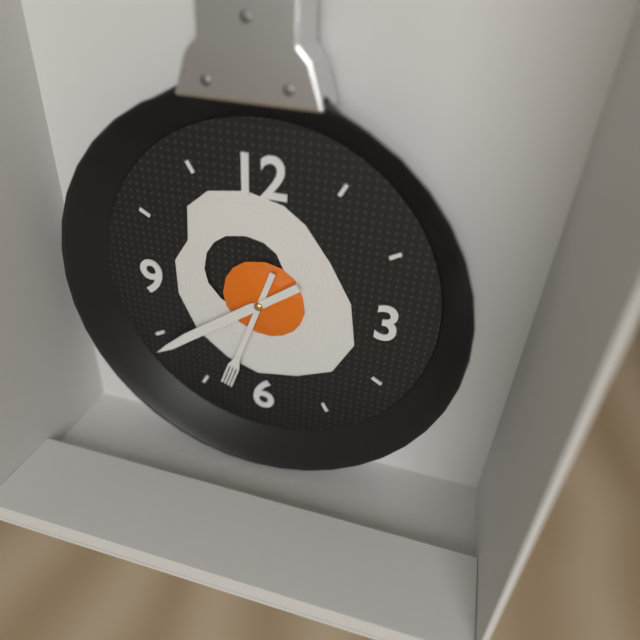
6:39
